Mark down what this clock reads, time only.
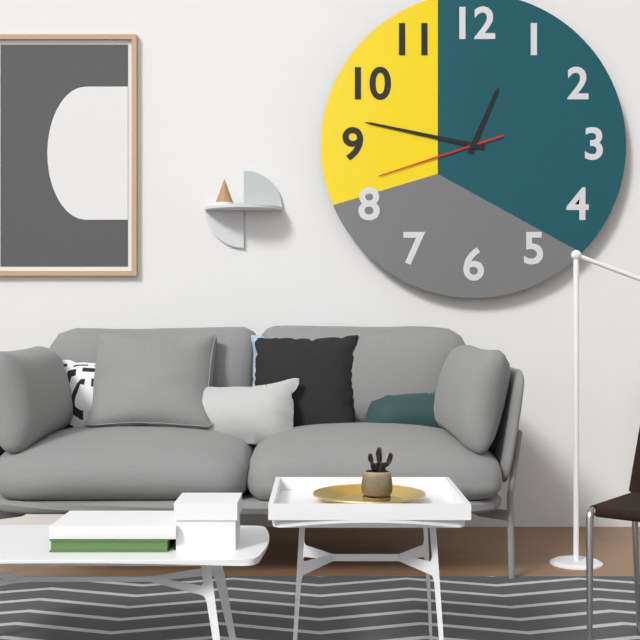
12:47:42
